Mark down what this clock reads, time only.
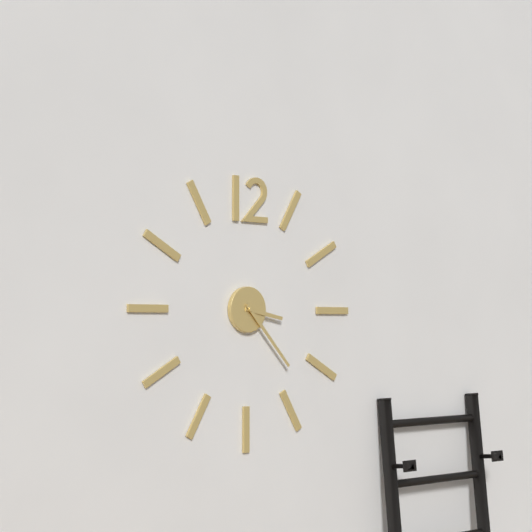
3:23
